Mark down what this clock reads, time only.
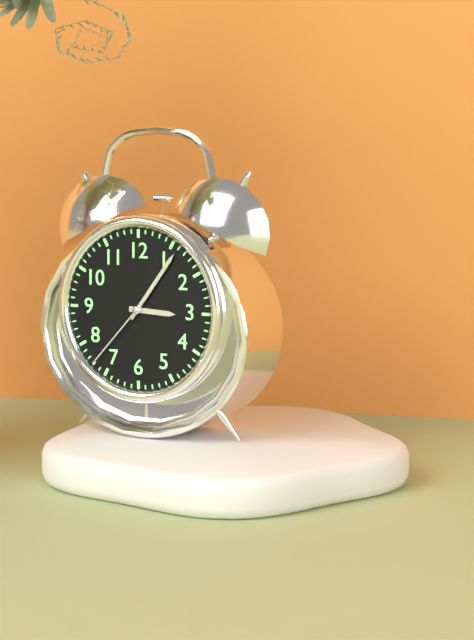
3:06:37
